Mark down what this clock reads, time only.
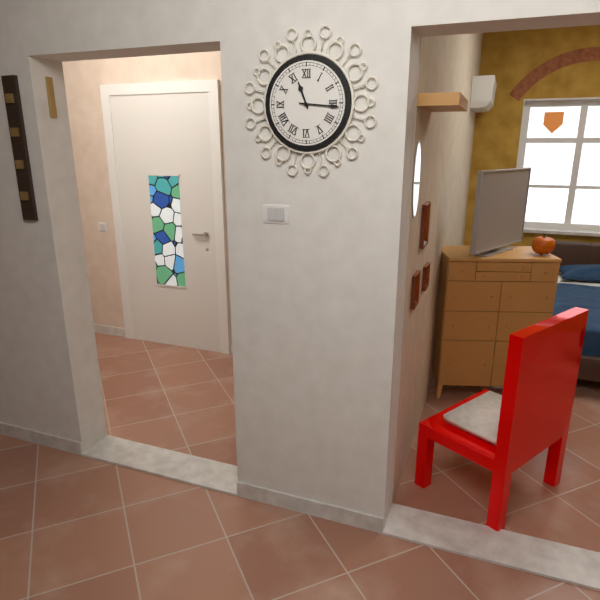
11:16
